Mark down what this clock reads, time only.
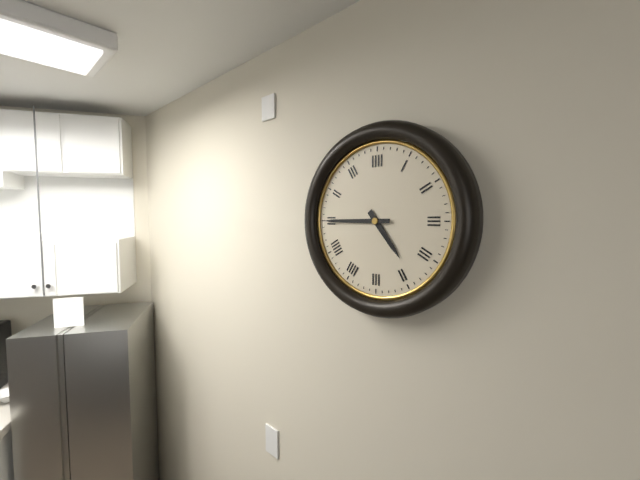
4:45
